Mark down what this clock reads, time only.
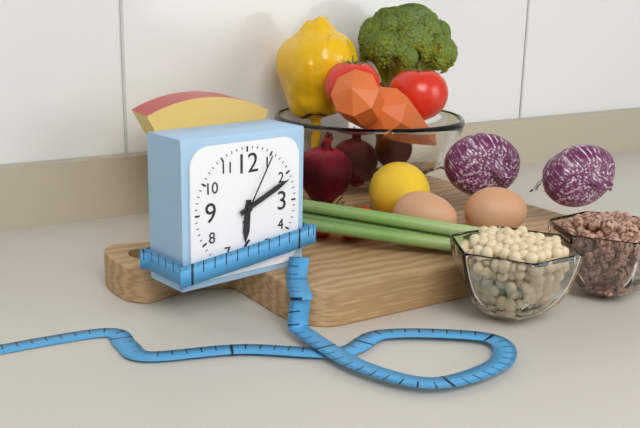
6:11:05
